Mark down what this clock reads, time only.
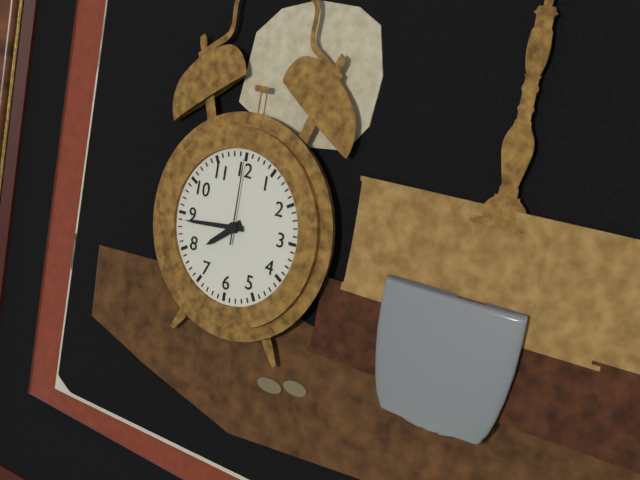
7:44:00
